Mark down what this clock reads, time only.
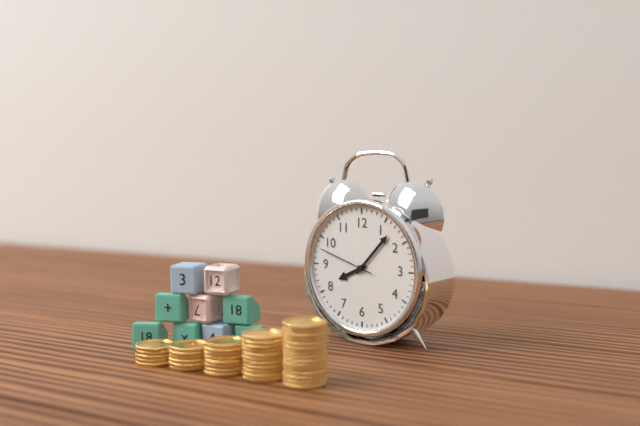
8:07:48
